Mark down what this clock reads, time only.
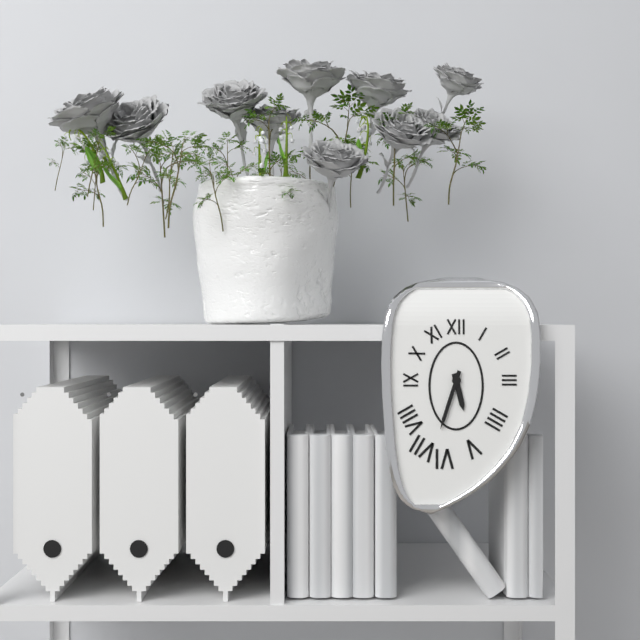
5:33
